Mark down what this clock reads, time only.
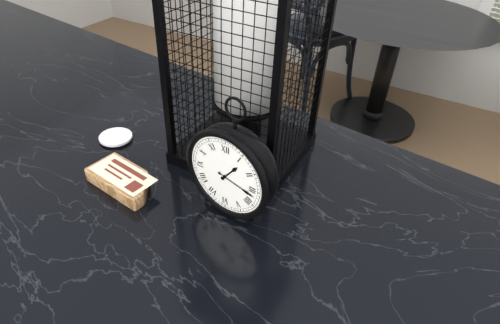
1:17
